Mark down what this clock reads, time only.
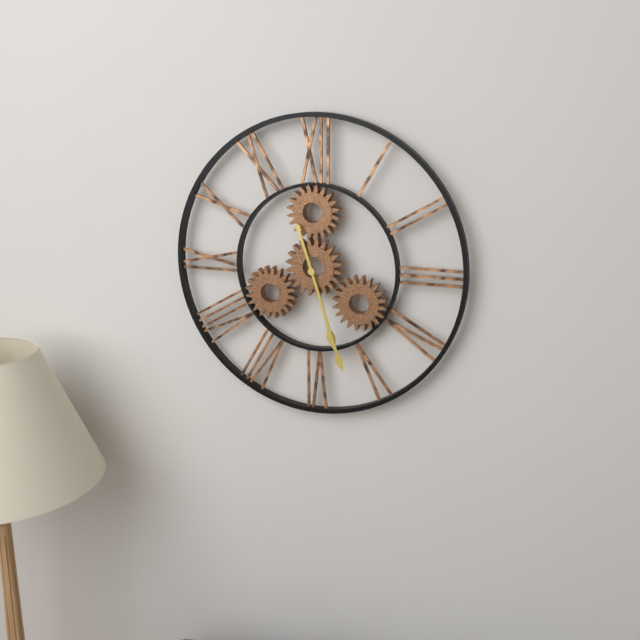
5:27
